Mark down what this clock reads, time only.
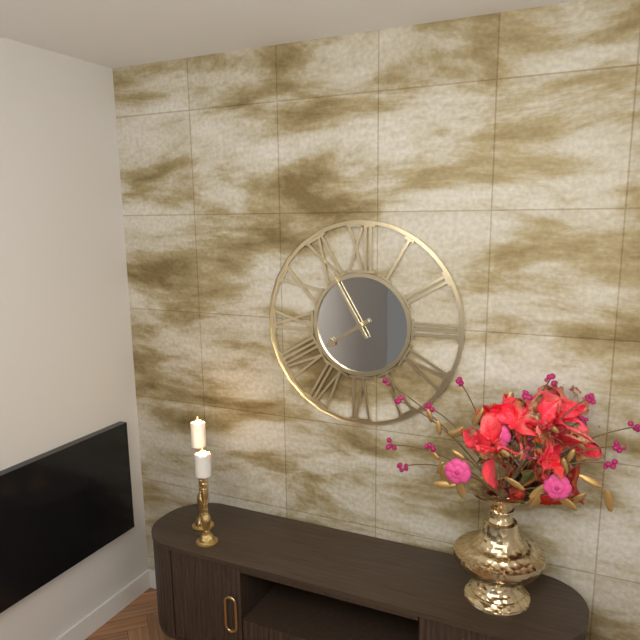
7:55
